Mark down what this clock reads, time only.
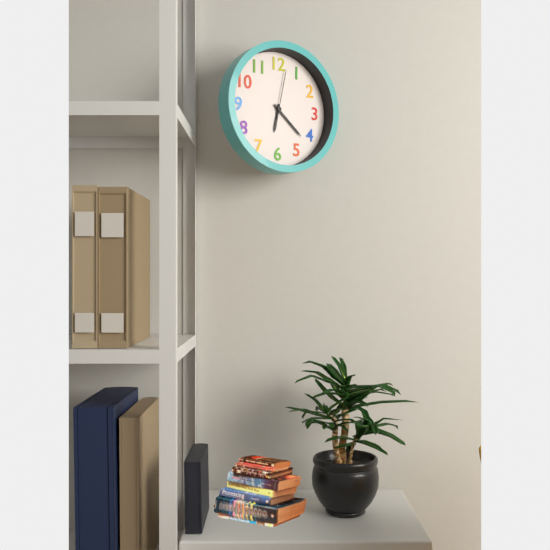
6:22:02
